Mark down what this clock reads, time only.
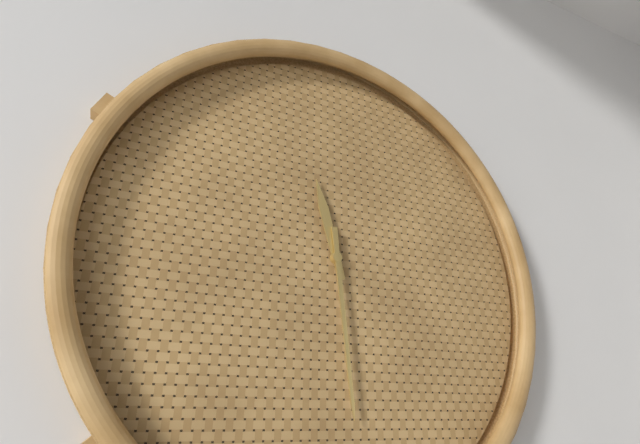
11:29
